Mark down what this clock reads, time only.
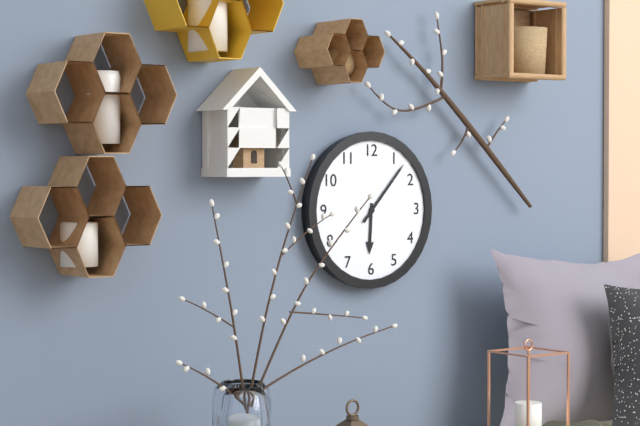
6:07
